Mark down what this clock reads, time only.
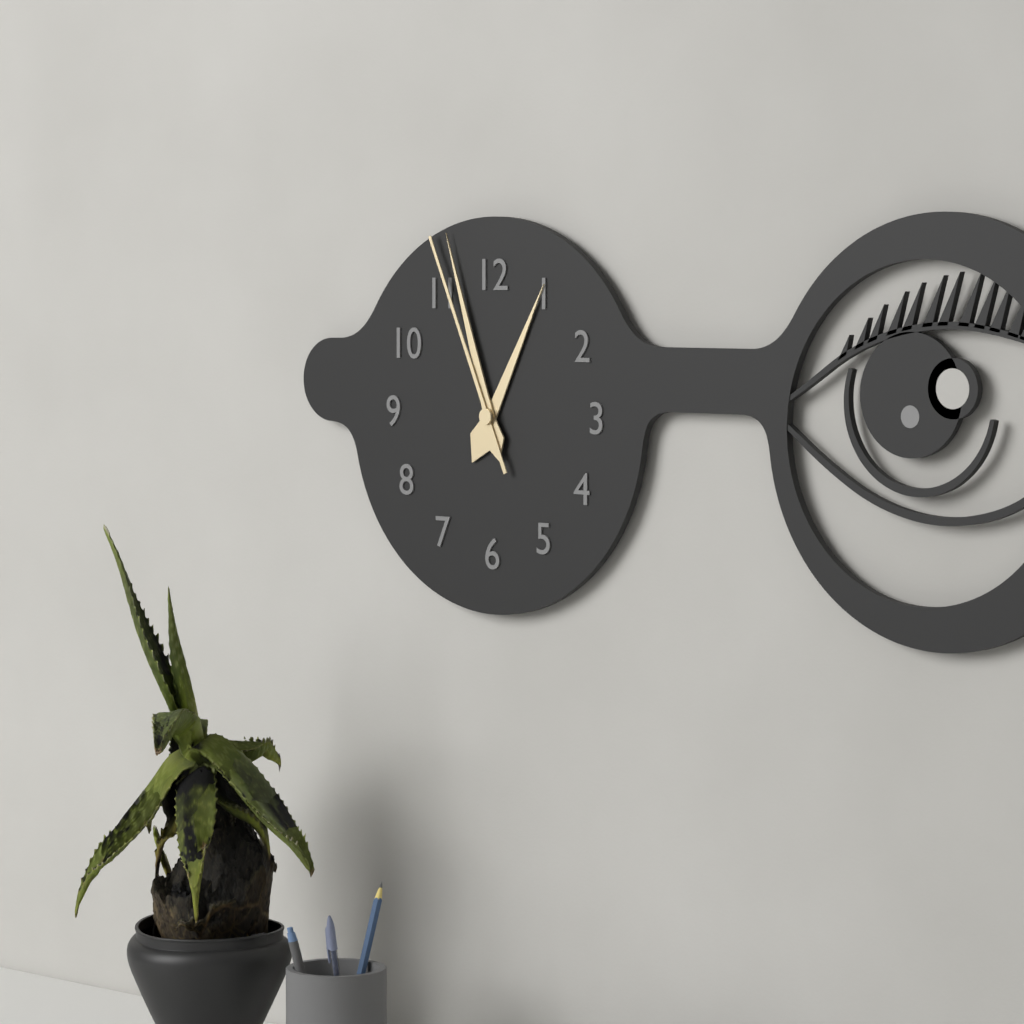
12:57:56
